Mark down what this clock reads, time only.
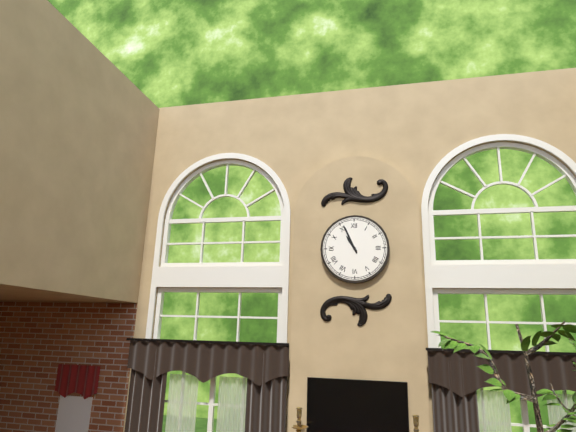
10:56
